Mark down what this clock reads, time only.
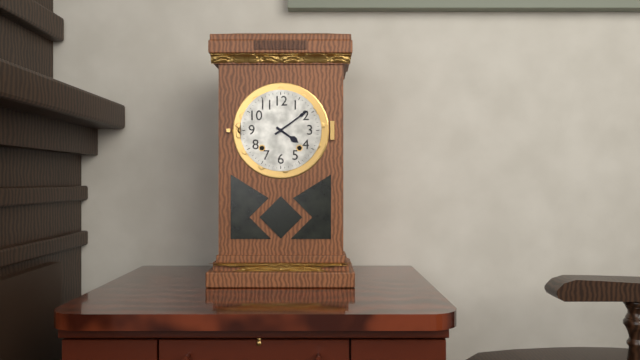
4:09
